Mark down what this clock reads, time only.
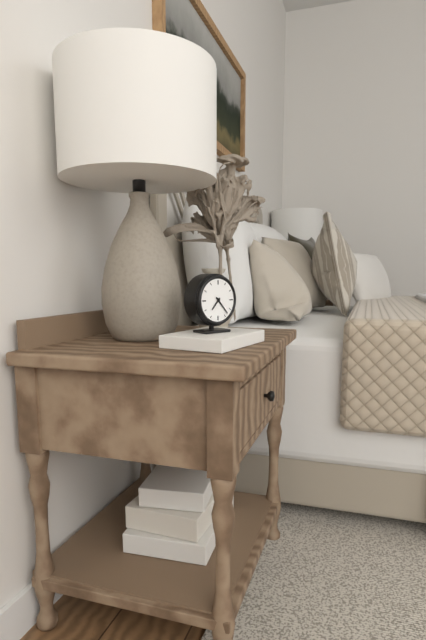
7:23
